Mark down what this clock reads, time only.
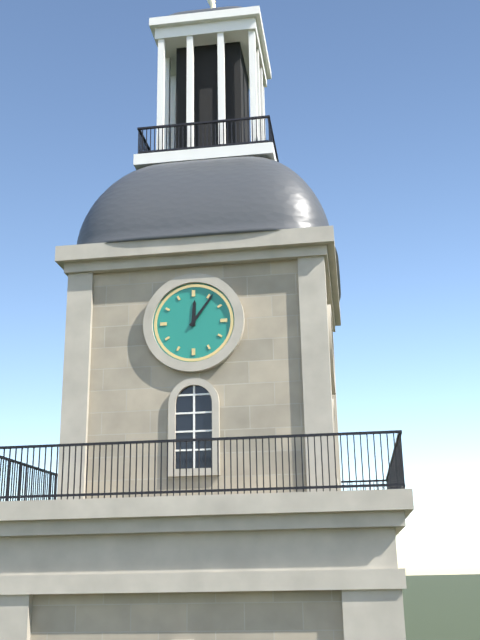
12:06
